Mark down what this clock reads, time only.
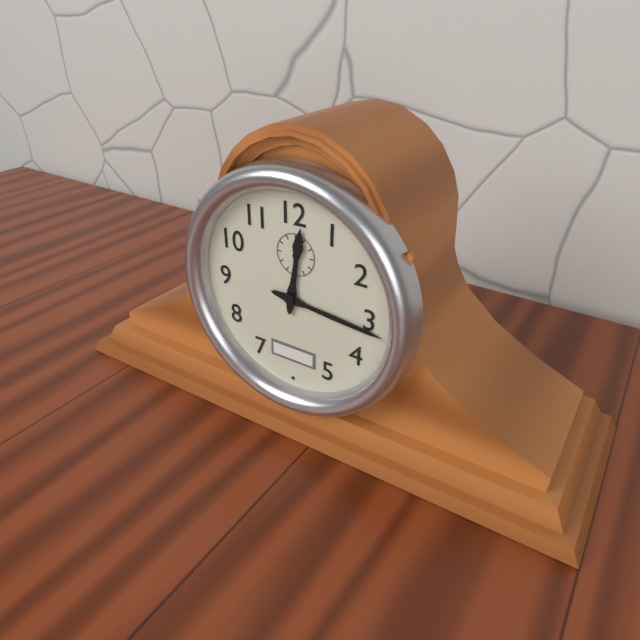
12:16
